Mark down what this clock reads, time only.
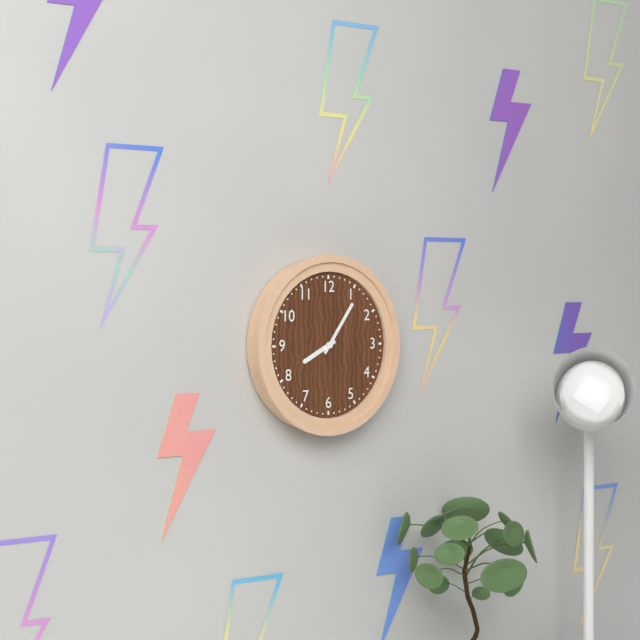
8:06
